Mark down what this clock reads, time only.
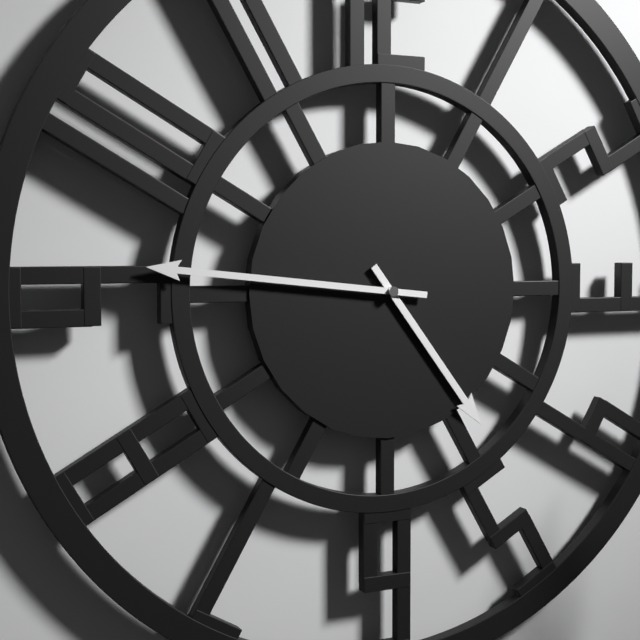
4:46
